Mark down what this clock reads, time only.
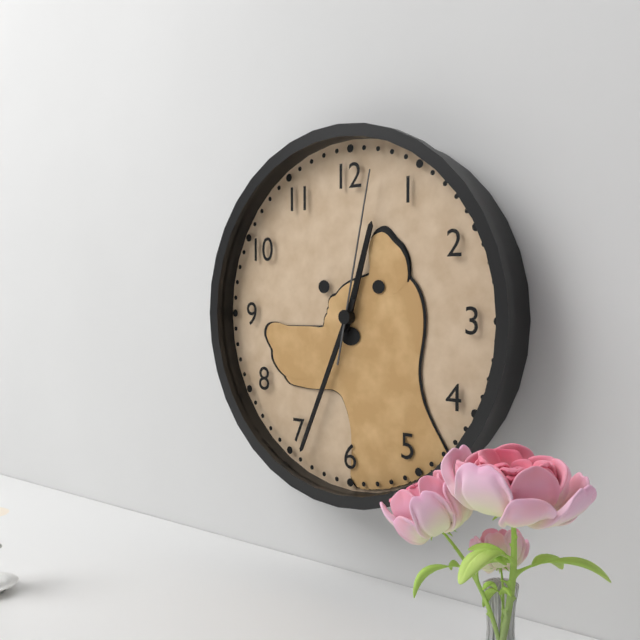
12:34:02
